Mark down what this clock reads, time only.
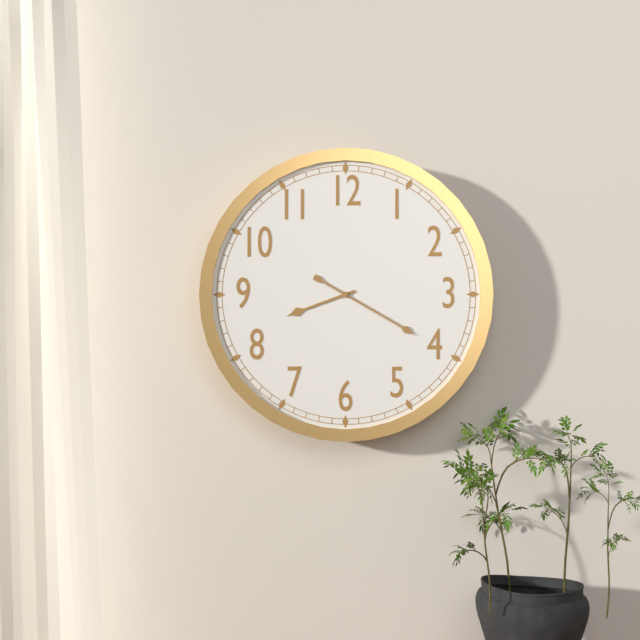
8:20
